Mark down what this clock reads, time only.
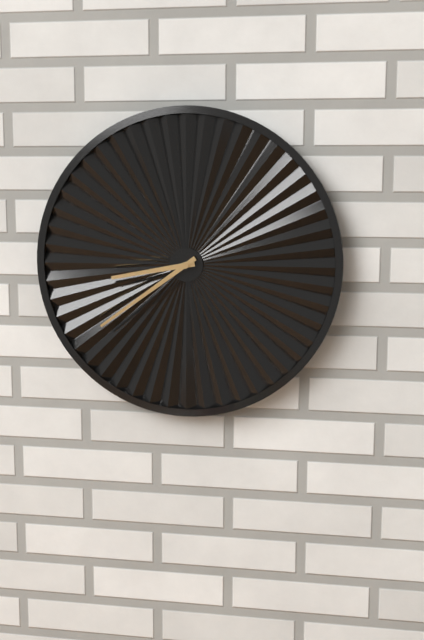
8:39
